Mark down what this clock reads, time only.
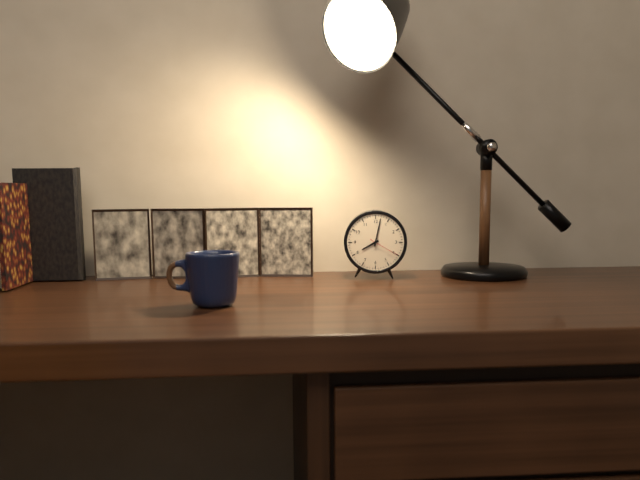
8:02
